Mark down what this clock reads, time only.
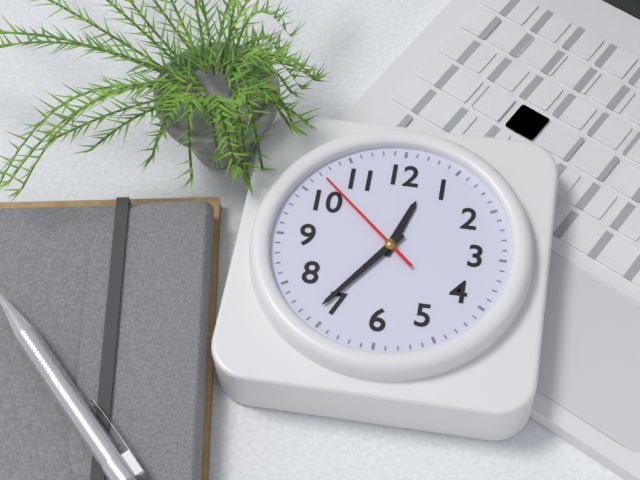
12:36:52
